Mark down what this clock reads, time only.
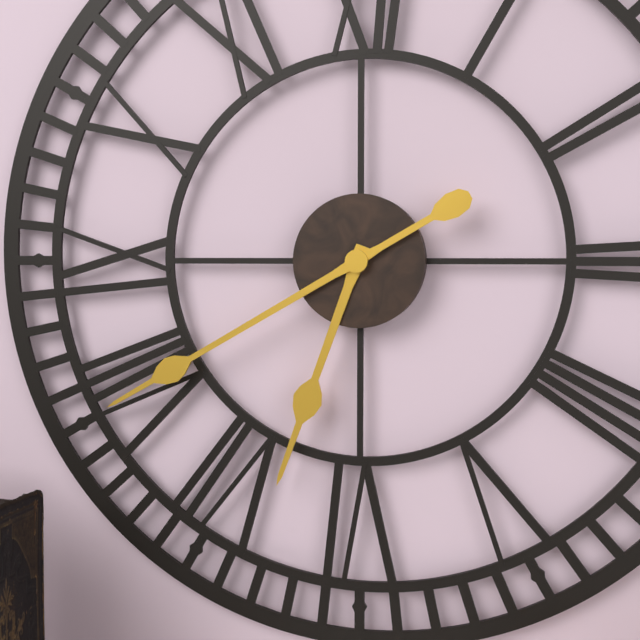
6:40
